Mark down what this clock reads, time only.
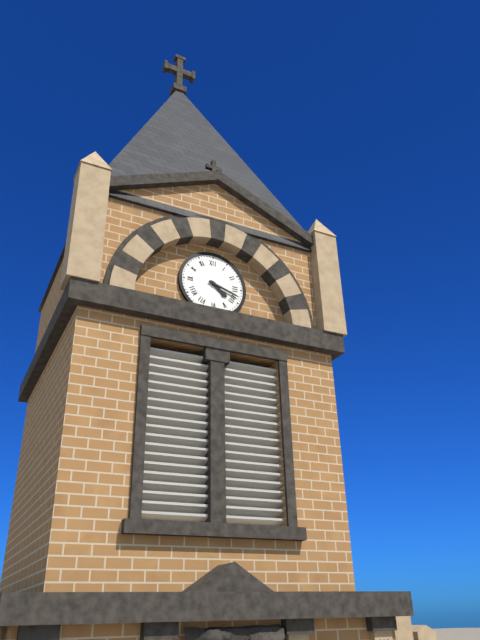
4:18
